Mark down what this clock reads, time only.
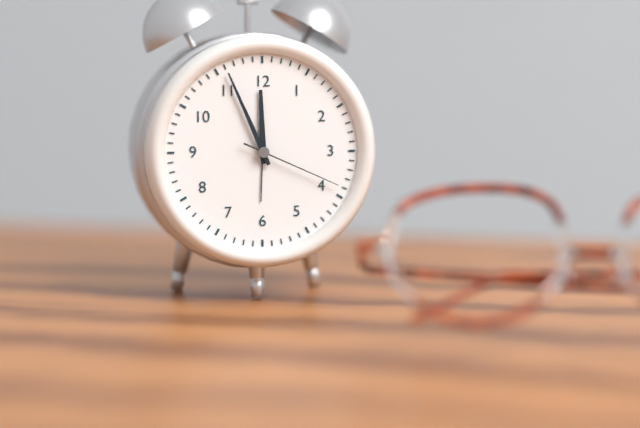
11:56:19
